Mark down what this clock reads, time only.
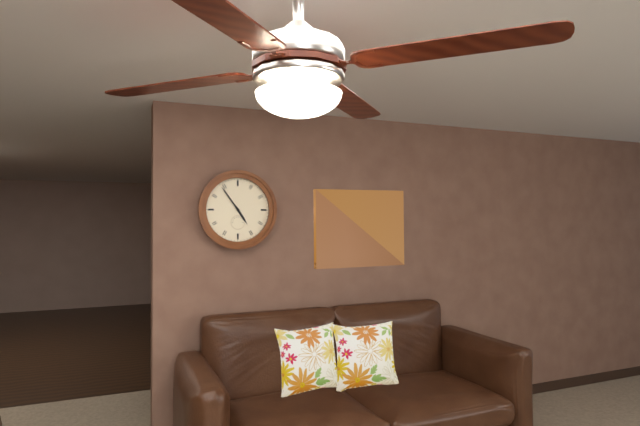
4:54
